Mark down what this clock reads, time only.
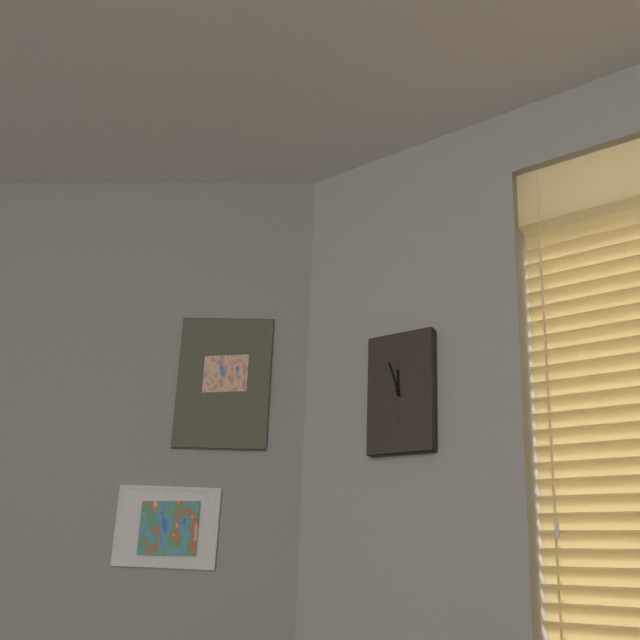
11:57
